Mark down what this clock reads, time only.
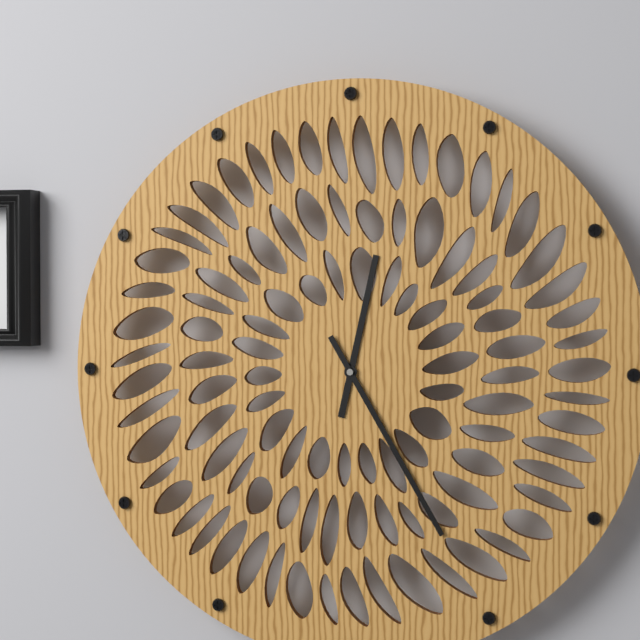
12:25
